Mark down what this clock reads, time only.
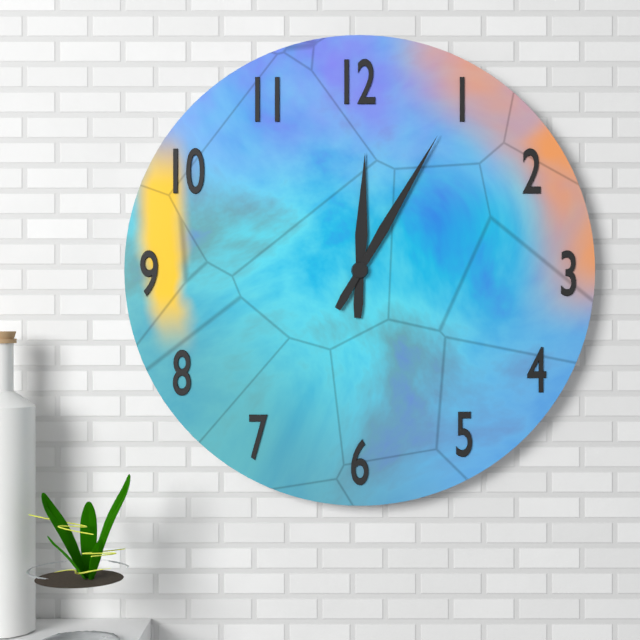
12:05
